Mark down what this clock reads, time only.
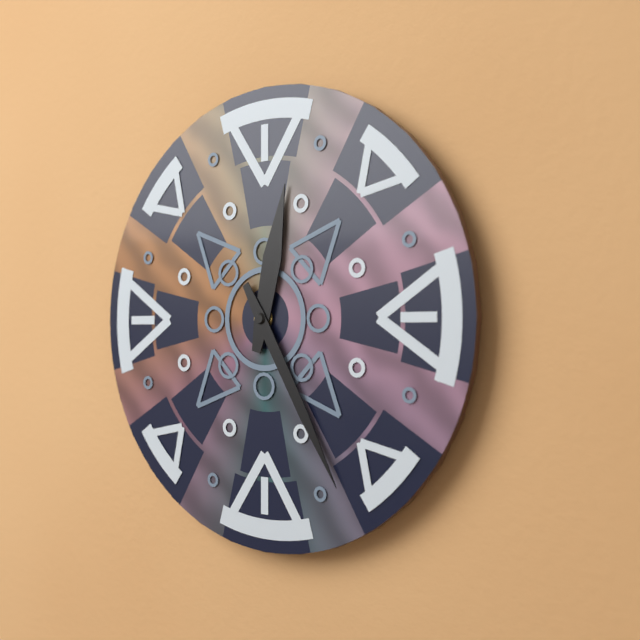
12:25
